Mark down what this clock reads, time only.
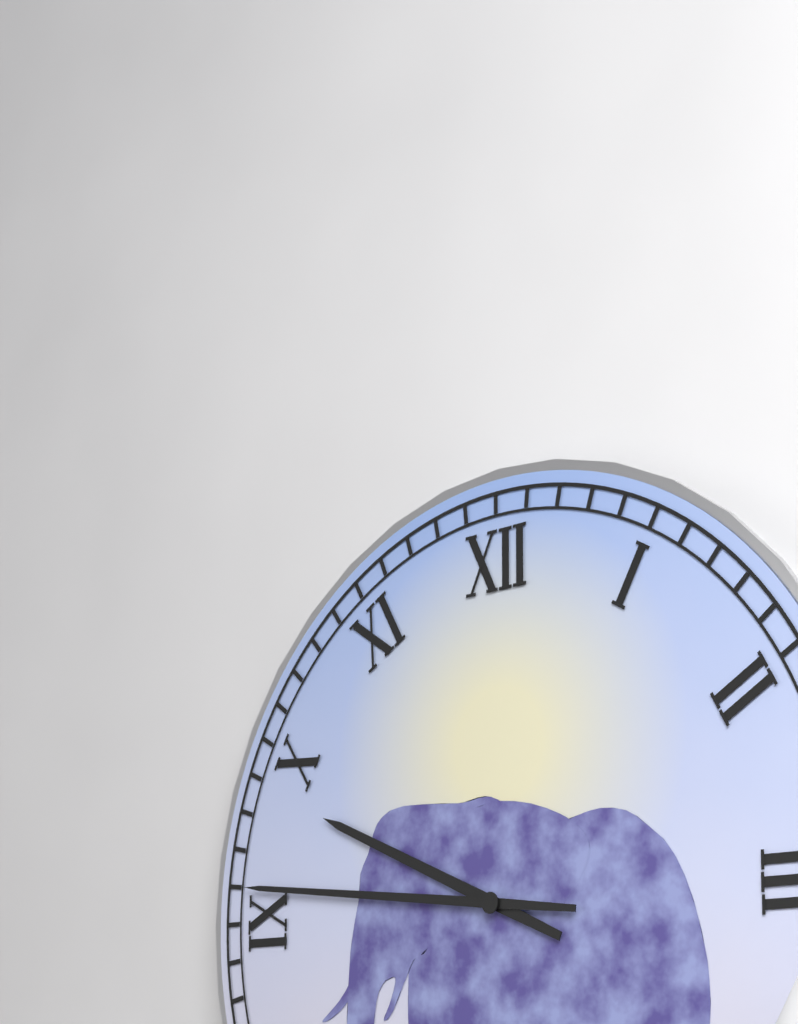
9:46
